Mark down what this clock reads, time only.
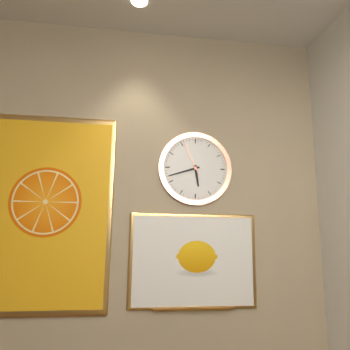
5:42
